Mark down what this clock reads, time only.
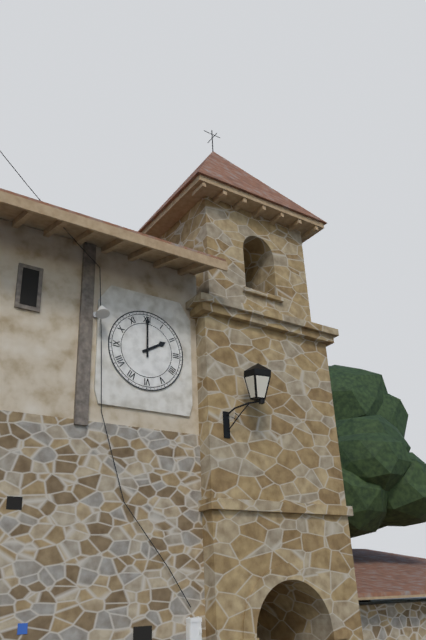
2:00
